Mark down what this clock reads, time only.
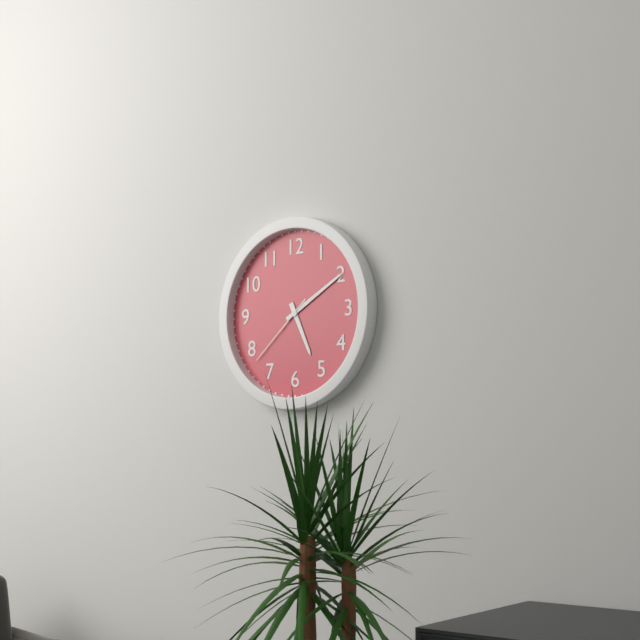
5:10:38
